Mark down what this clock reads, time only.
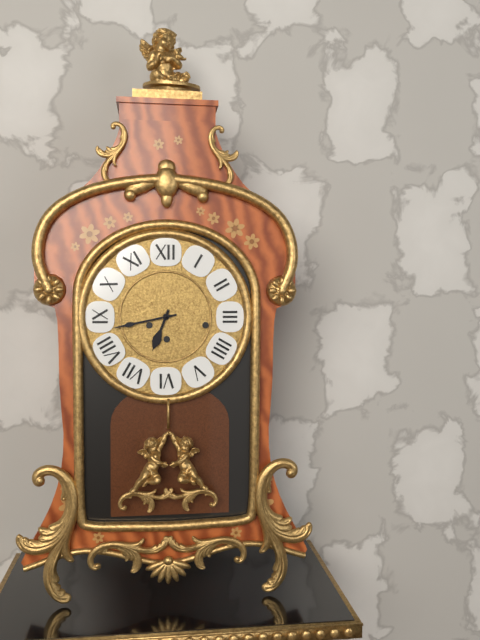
6:43
